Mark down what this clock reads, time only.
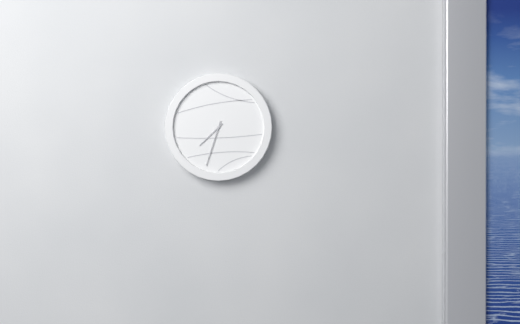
7:33
